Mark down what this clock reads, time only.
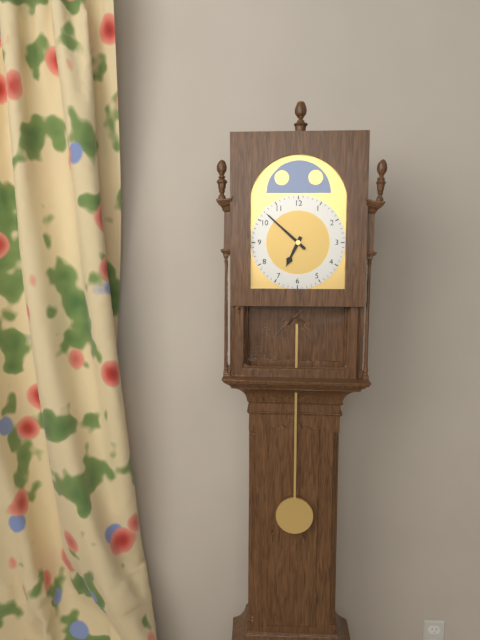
6:52
